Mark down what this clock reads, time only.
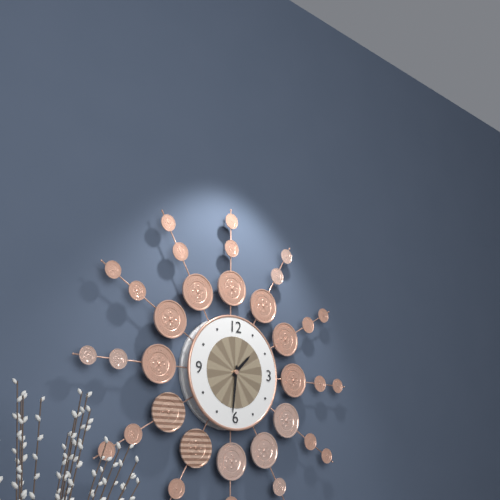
1:31
